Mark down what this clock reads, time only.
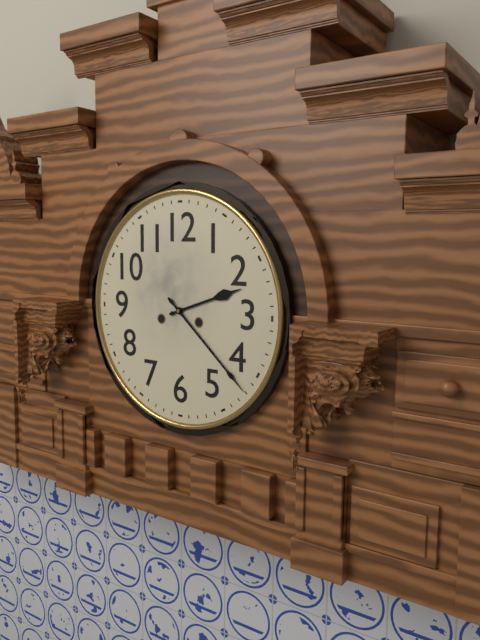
2:22
